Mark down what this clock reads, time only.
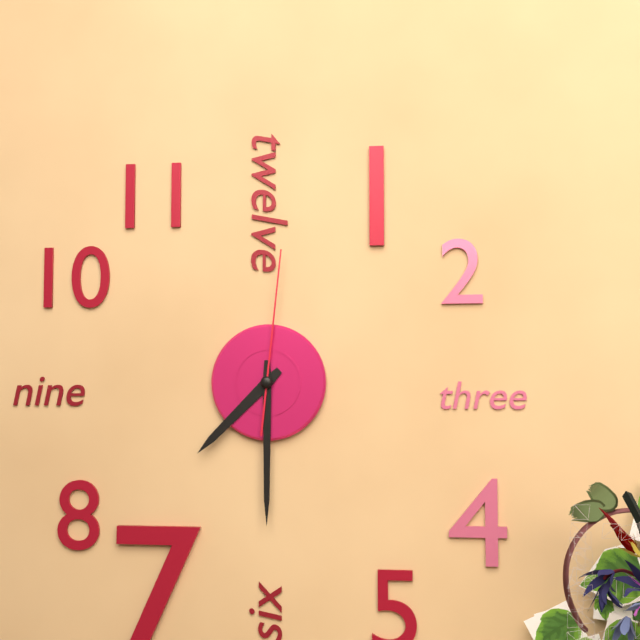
7:30:01
